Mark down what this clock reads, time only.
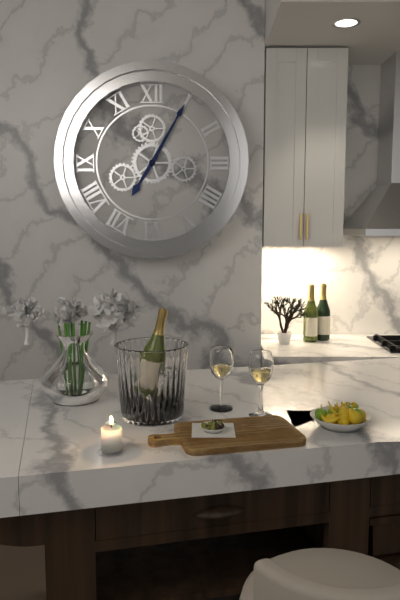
7:05
